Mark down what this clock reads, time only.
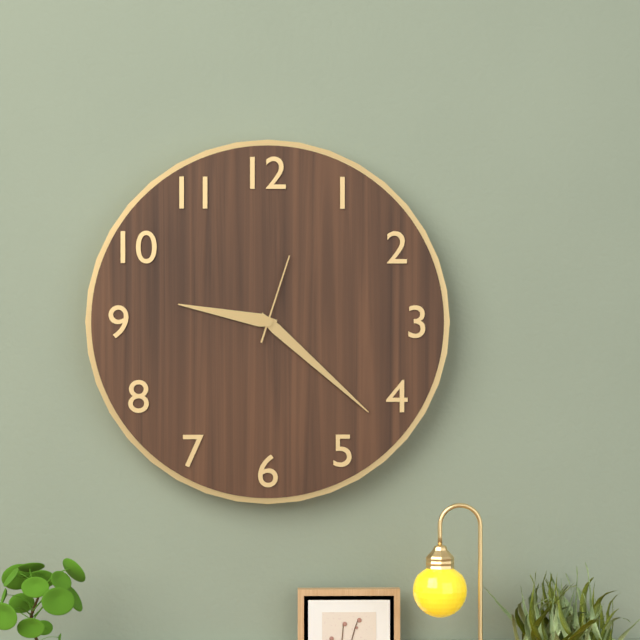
9:22:03
